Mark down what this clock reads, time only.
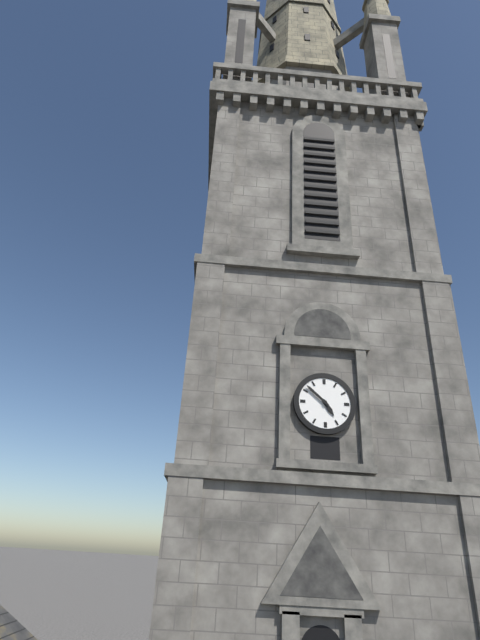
4:52
